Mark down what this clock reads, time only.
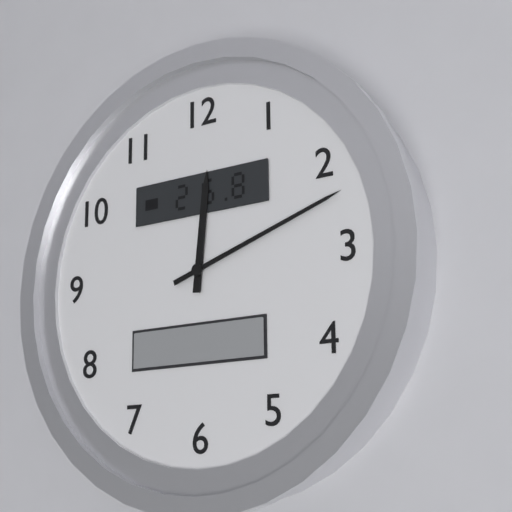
12:12
